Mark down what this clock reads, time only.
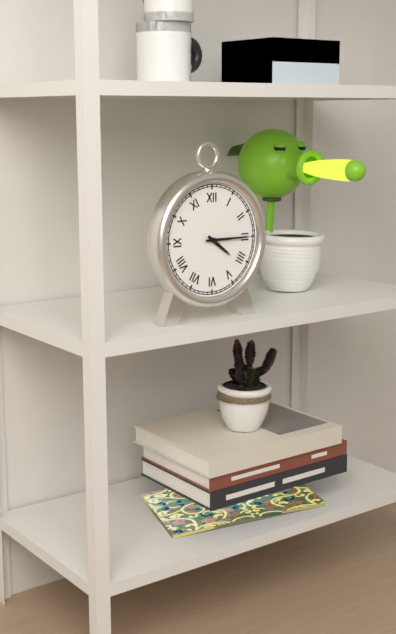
4:15
